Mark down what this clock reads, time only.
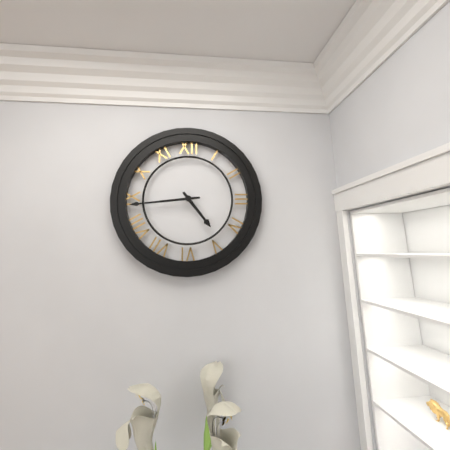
4:44
